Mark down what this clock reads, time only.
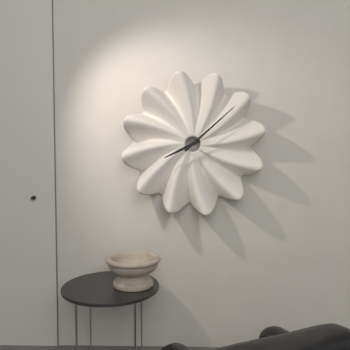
8:08
